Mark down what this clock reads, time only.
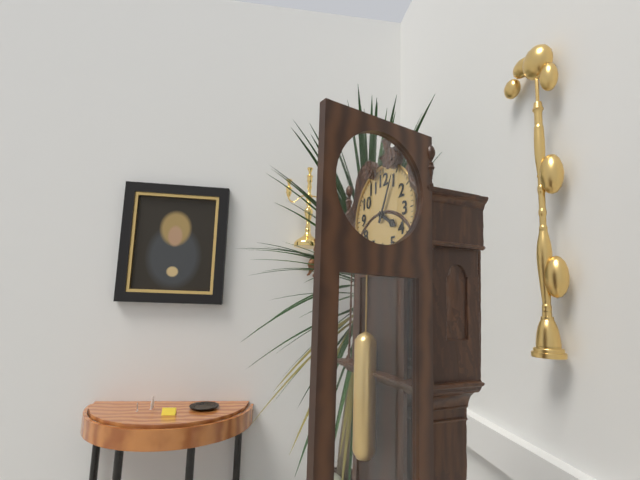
4:04
